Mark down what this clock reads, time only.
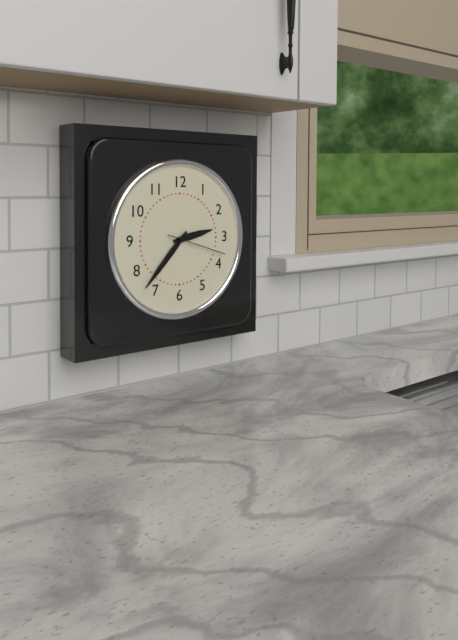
2:37:18
